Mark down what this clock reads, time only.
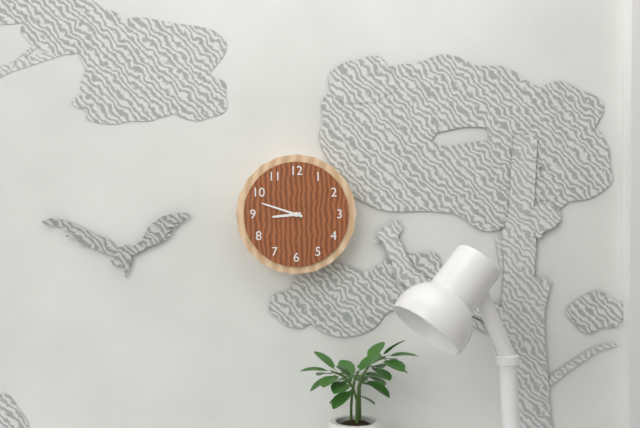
8:48
